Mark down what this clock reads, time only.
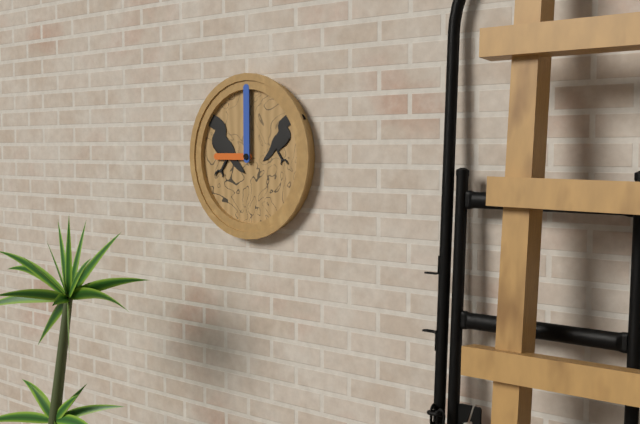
9:00
